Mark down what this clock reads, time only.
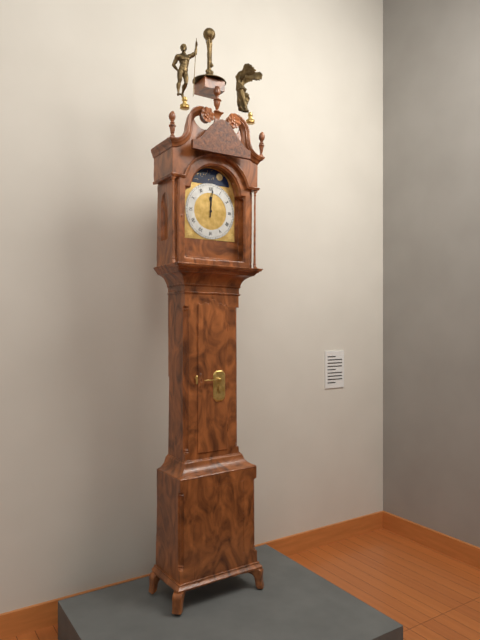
12:01
